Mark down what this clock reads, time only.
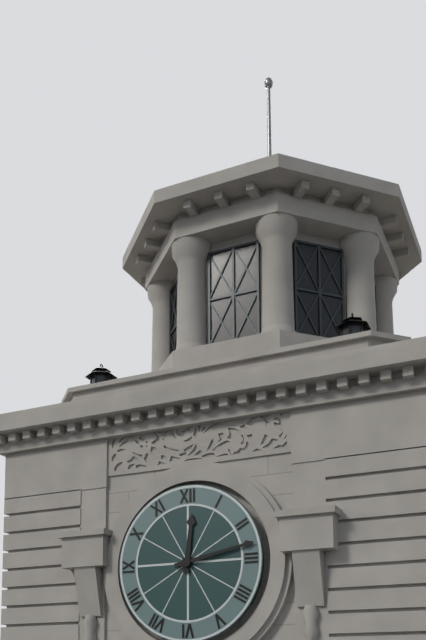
12:13
